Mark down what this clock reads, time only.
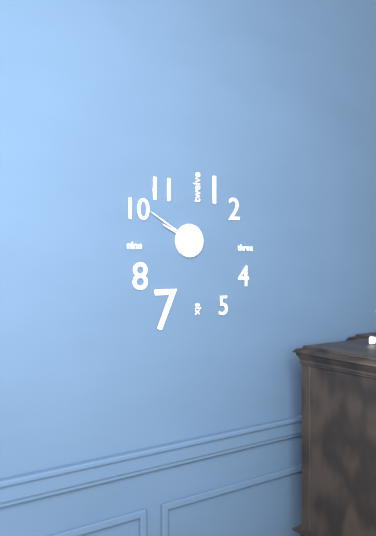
9:50
